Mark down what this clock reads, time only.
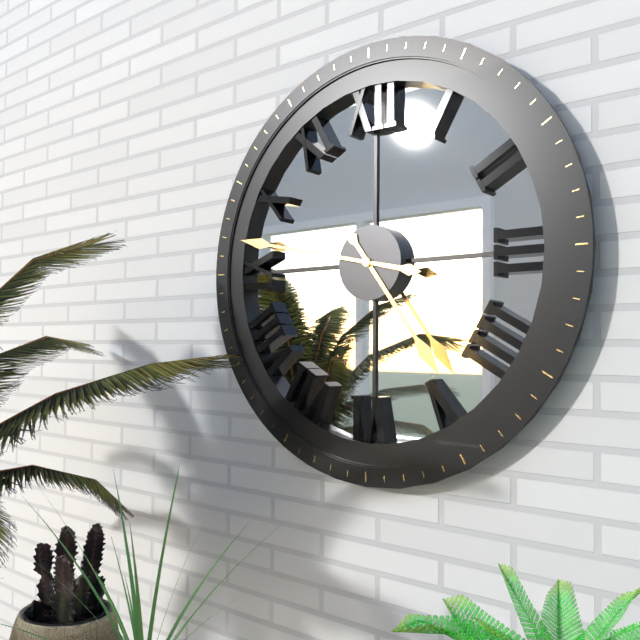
4:47
